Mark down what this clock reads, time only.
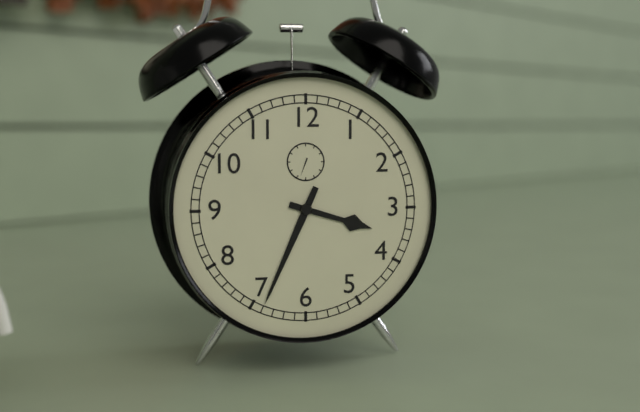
3:34
